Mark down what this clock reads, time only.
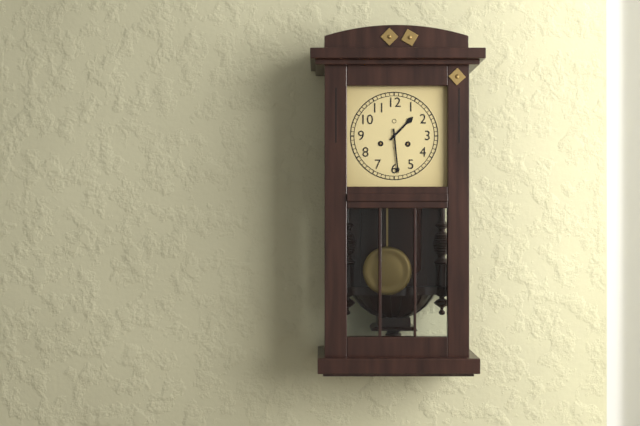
1:29
